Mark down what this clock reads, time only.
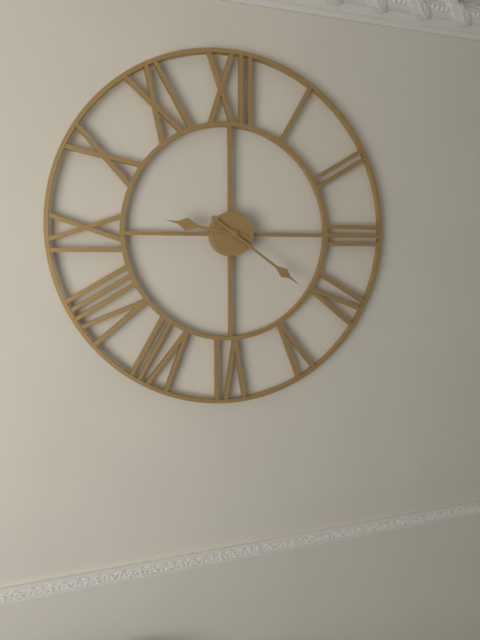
9:21
